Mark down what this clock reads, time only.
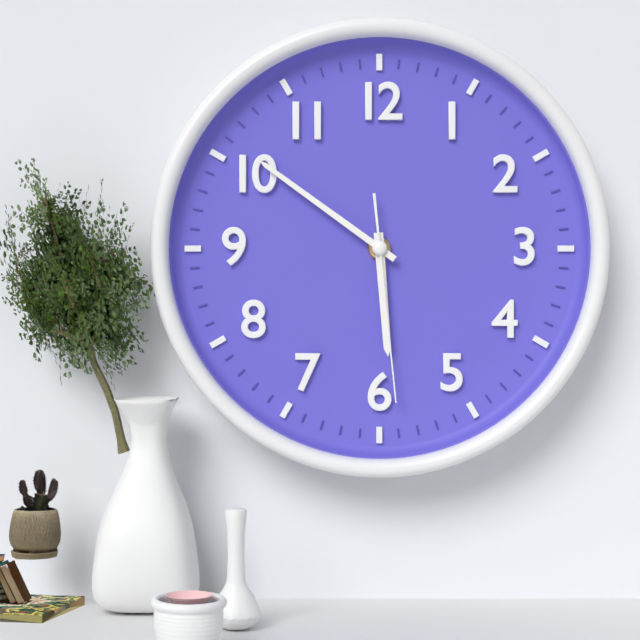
5:51:29
